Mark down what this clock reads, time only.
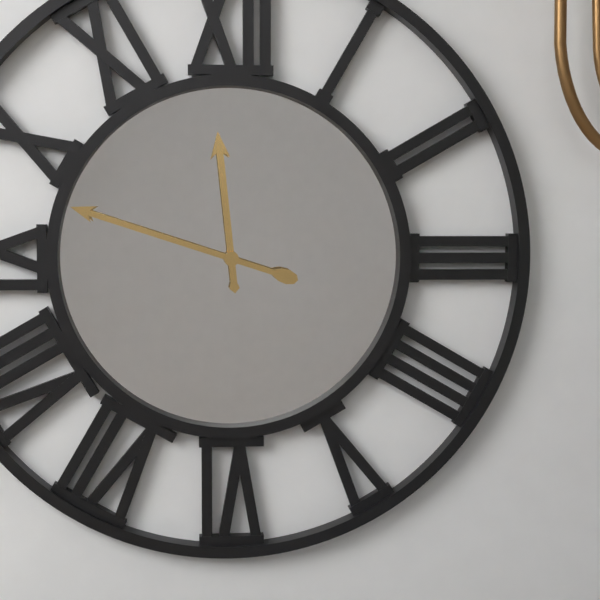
11:48
